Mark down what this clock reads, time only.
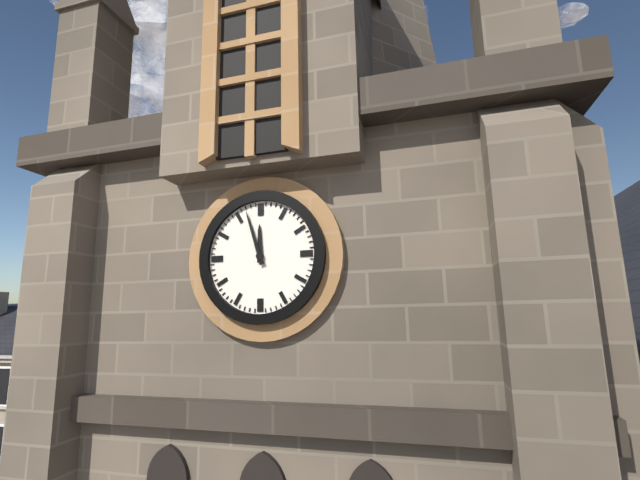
11:57
